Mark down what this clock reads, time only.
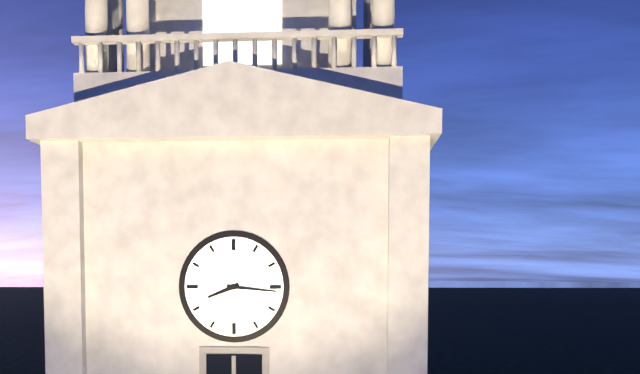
8:16
